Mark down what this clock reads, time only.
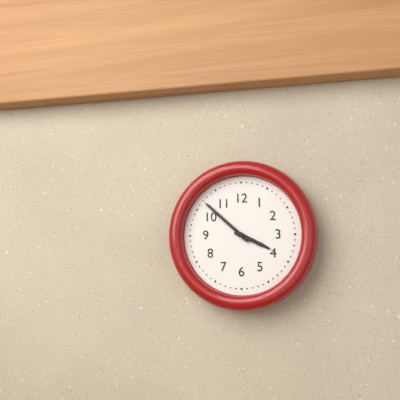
3:52
